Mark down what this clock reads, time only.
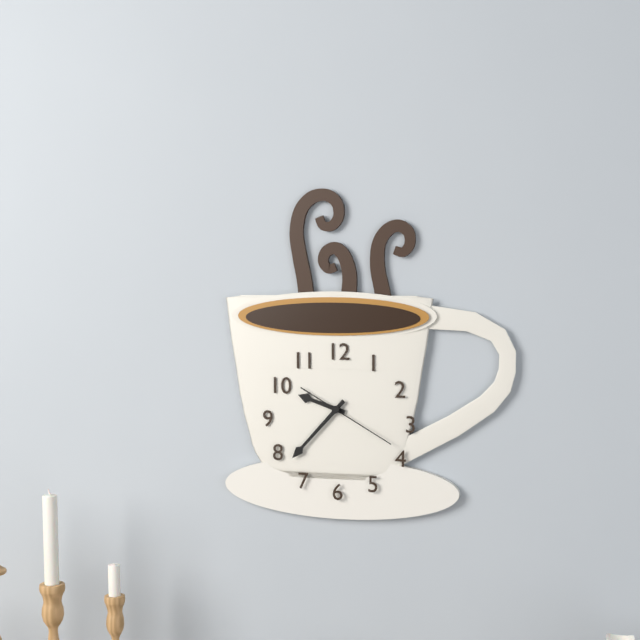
9:37:20
